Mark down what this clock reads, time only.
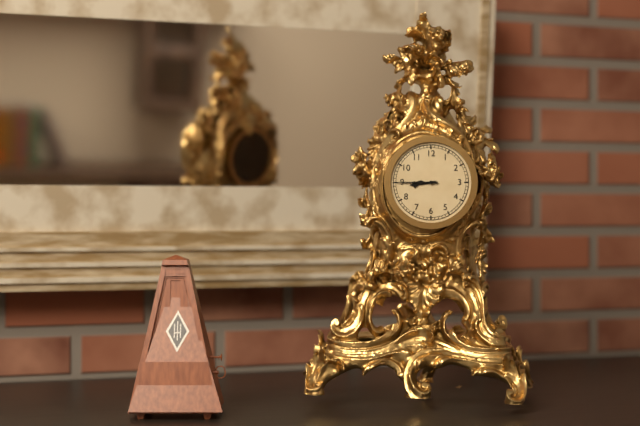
8:45
